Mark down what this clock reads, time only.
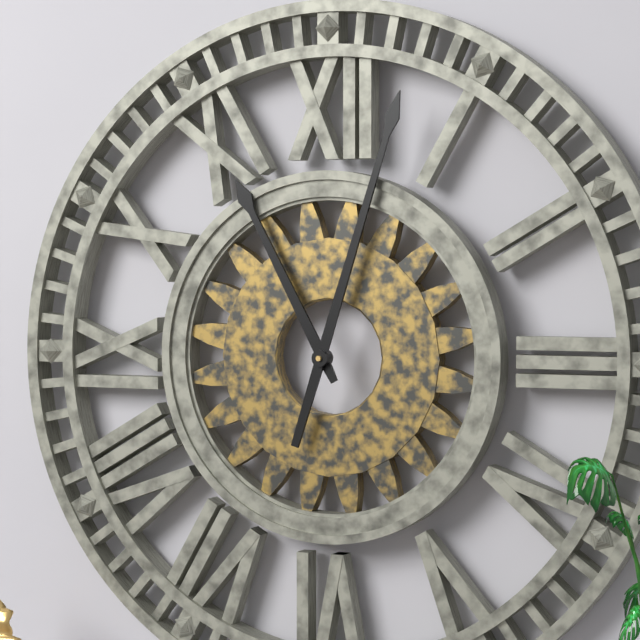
11:03
